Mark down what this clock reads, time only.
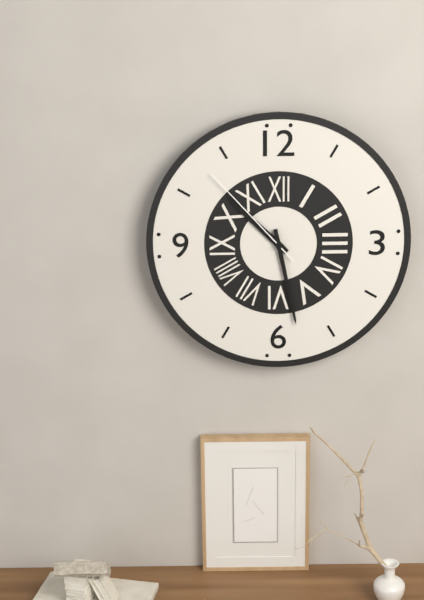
10:28:53
